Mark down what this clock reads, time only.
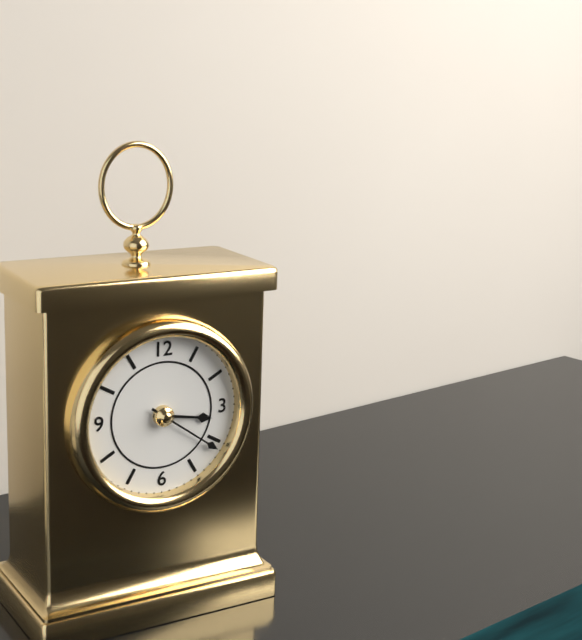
3:21
